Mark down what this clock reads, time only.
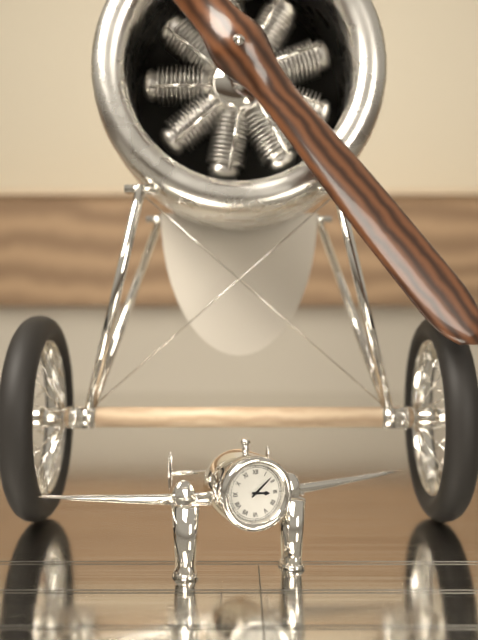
3:08
